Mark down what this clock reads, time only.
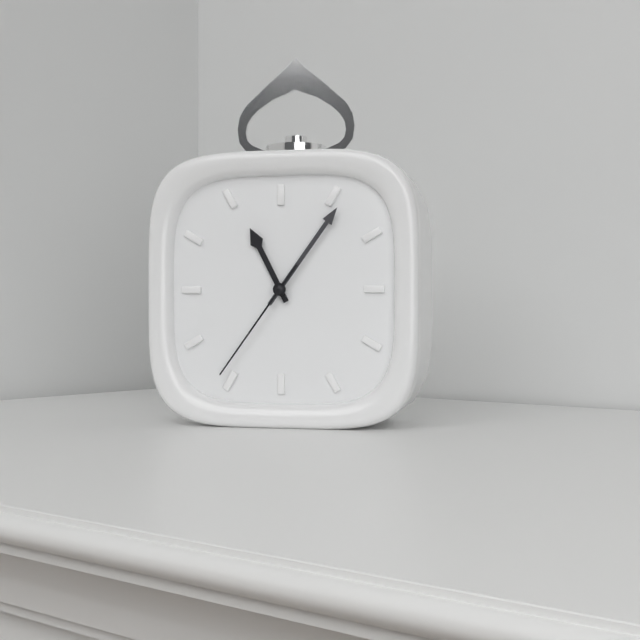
11:06:36
